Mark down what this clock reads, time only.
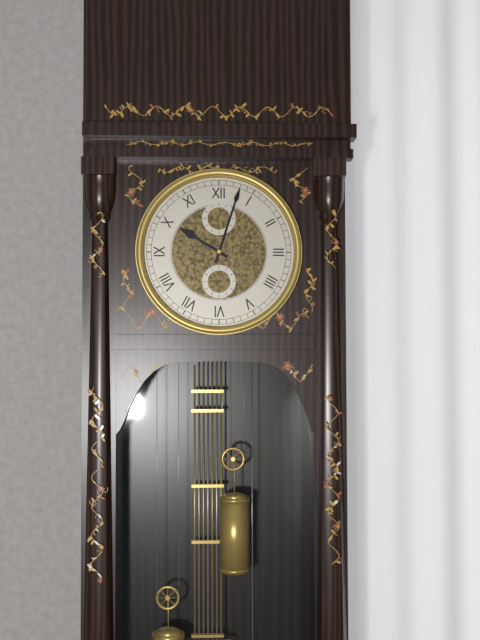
10:03
